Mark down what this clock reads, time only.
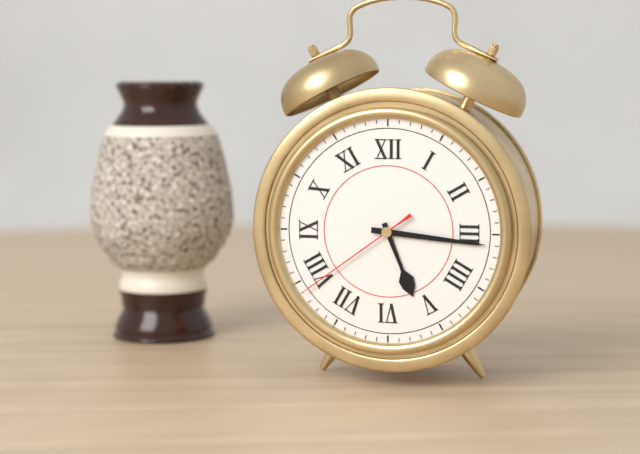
5:16:39
